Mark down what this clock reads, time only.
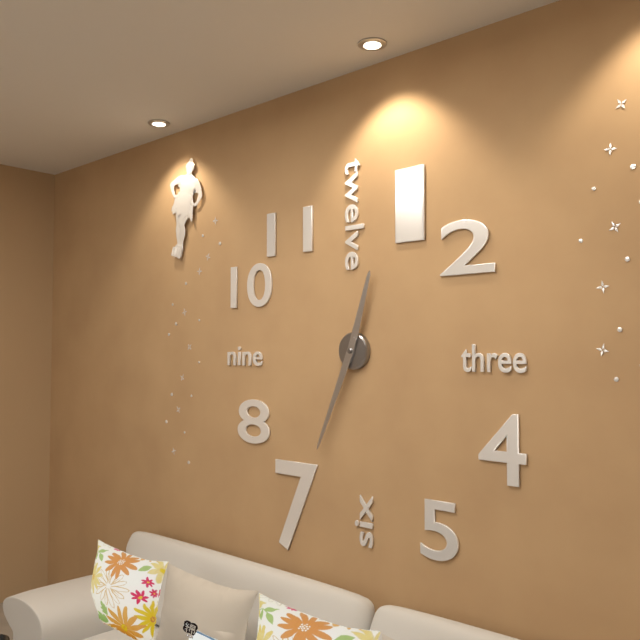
12:34
